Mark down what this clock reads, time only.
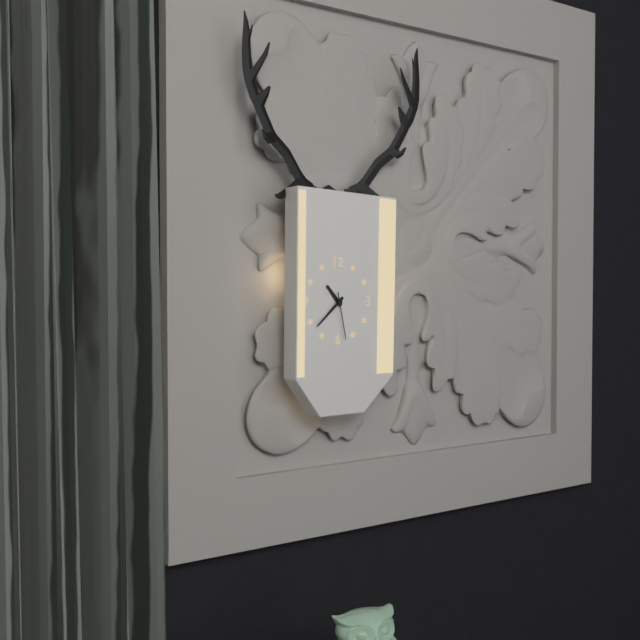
10:38
